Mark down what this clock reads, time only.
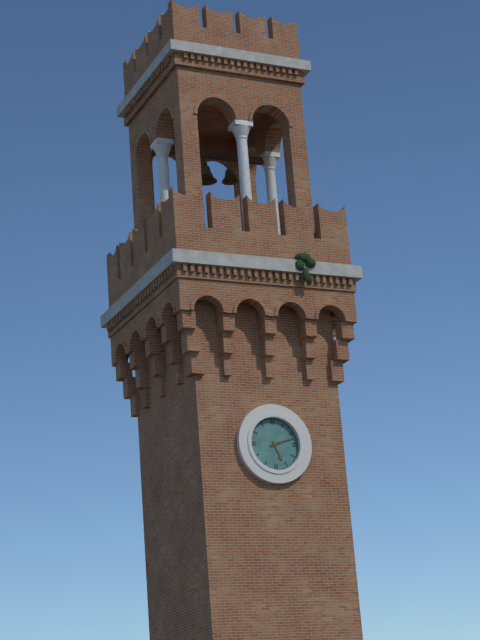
5:12
